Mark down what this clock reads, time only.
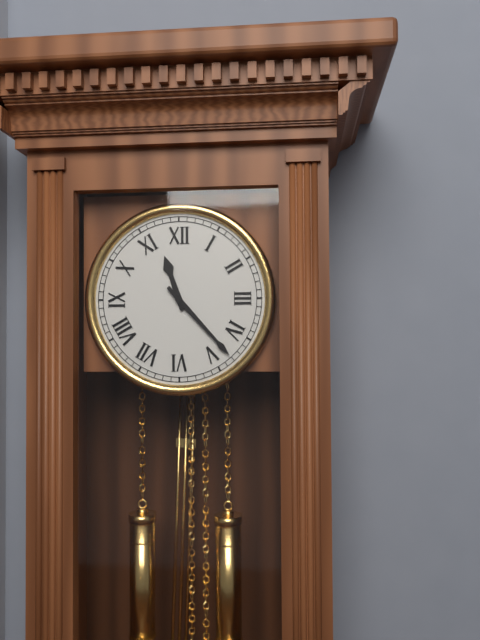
11:23
